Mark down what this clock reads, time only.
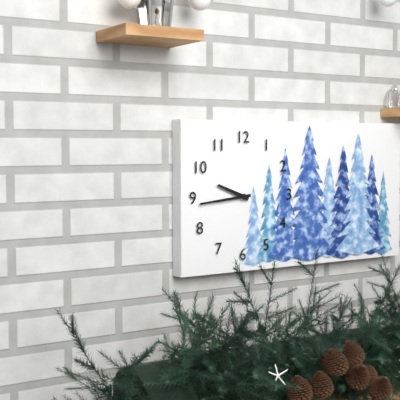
9:44
